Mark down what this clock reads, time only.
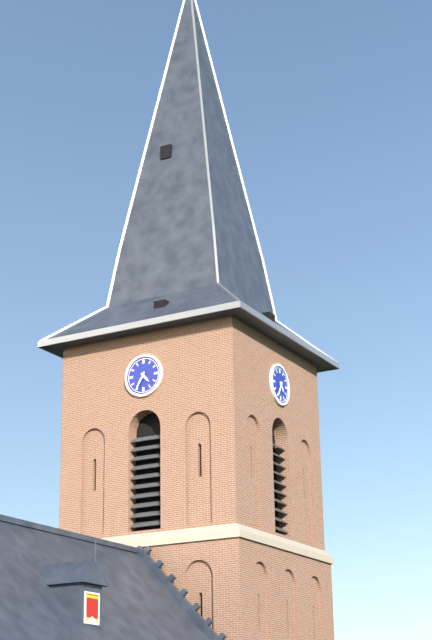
4:35
